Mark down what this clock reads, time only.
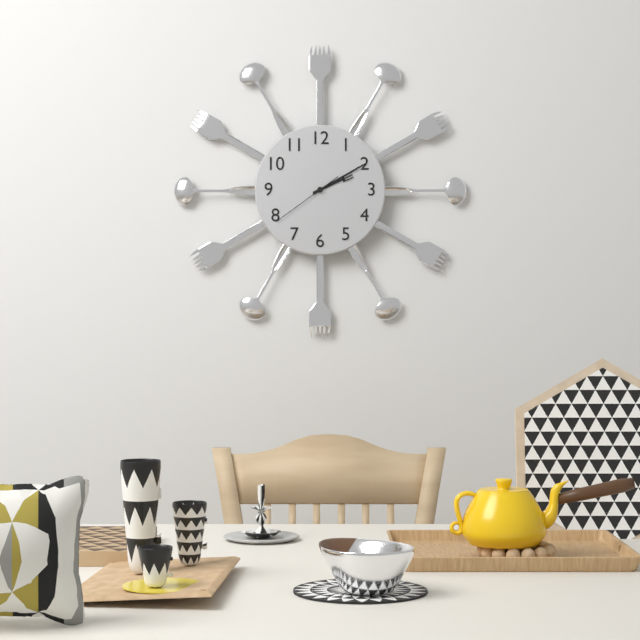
2:10:39
